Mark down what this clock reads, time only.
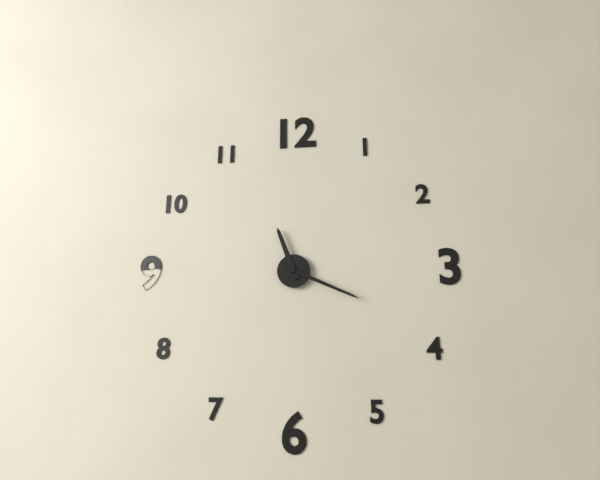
11:19
